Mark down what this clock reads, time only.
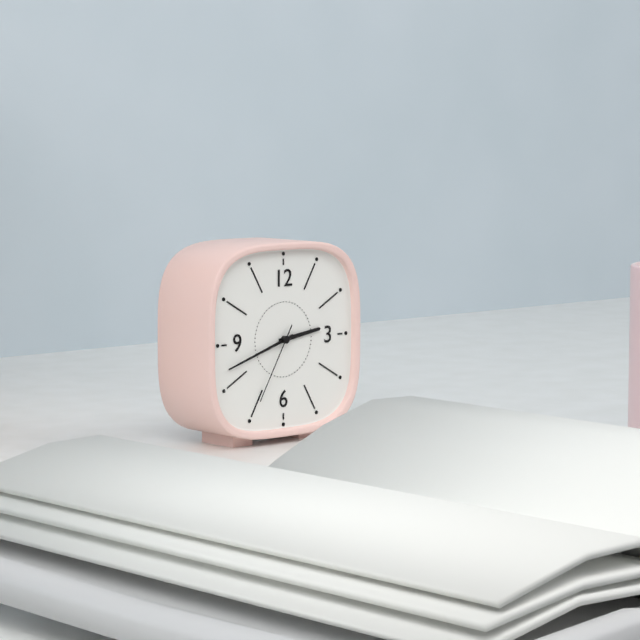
2:42:35
